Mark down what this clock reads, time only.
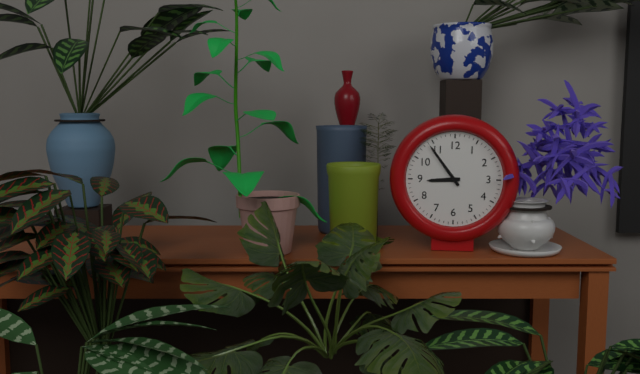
8:54
